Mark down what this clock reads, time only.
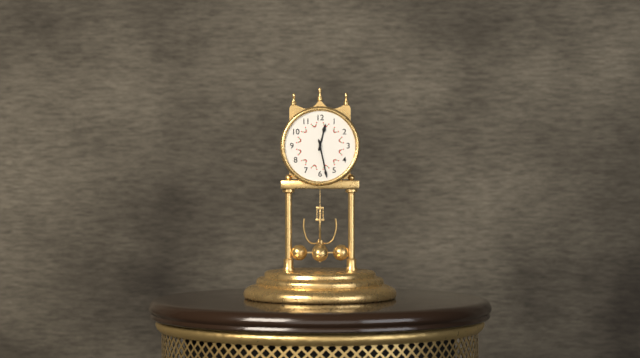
12:28
